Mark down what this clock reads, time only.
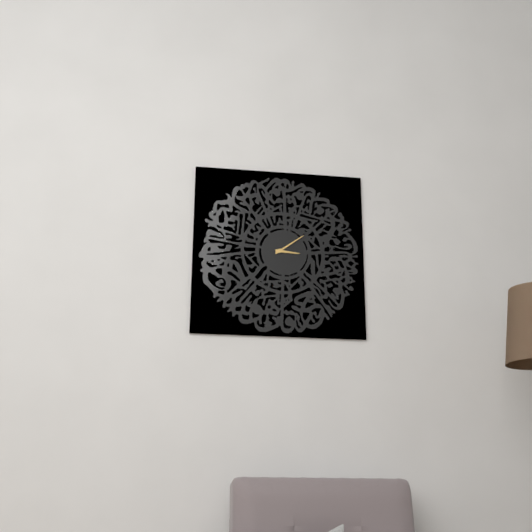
3:09
